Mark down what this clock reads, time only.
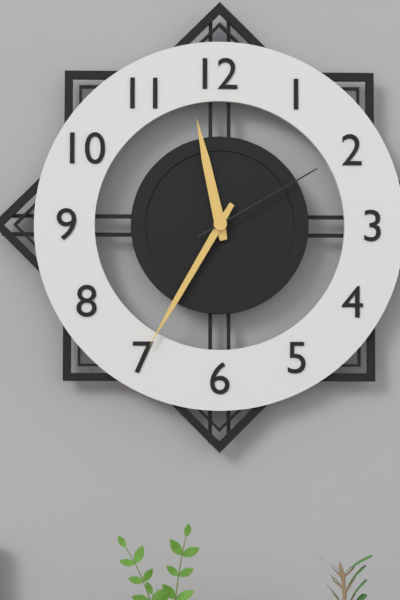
11:35:10
